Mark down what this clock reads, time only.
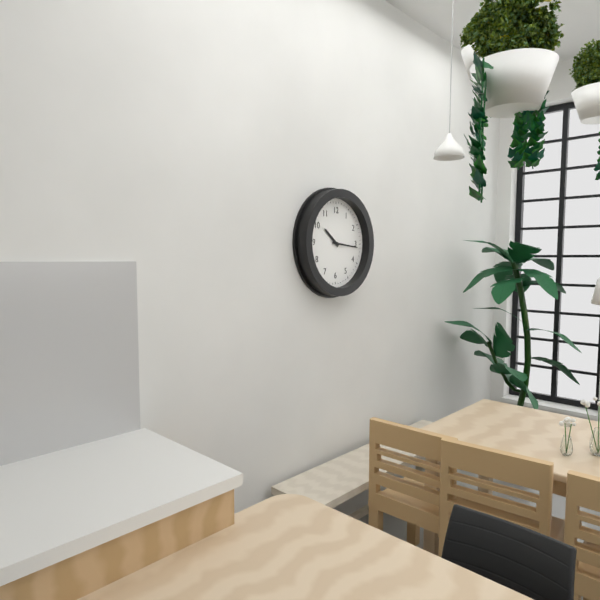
10:16
